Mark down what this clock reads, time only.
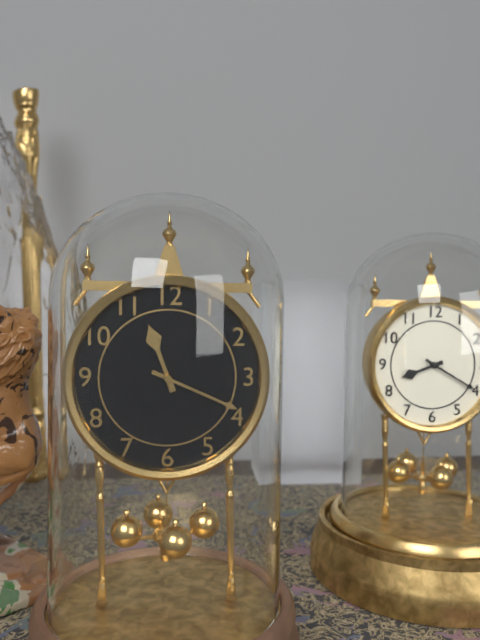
11:19
